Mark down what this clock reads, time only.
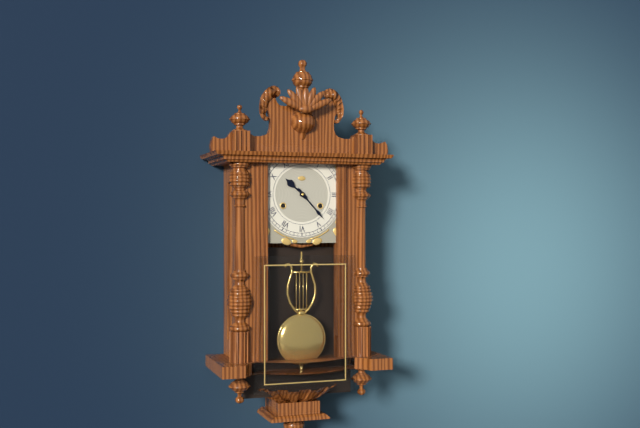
10:23
